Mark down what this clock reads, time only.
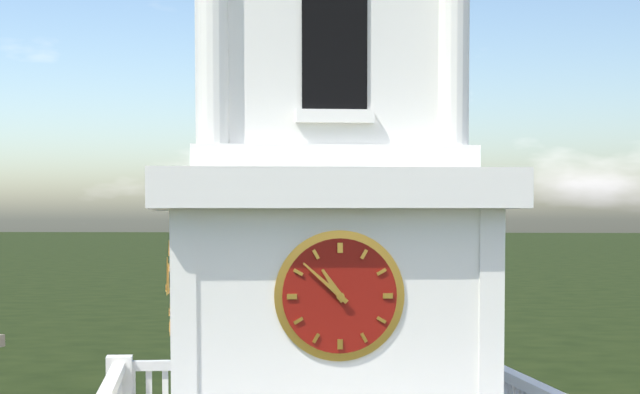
10:52
